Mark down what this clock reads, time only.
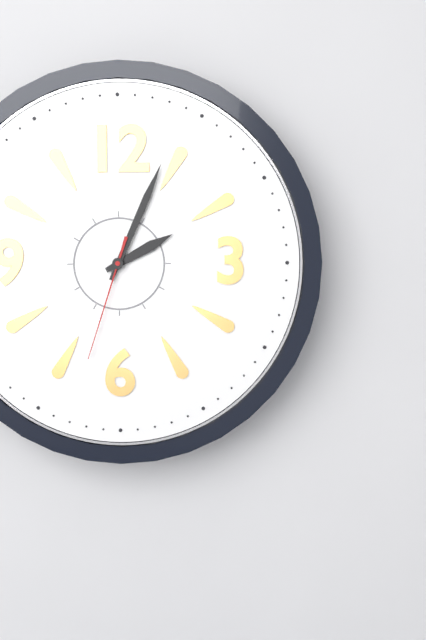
2:04:33
